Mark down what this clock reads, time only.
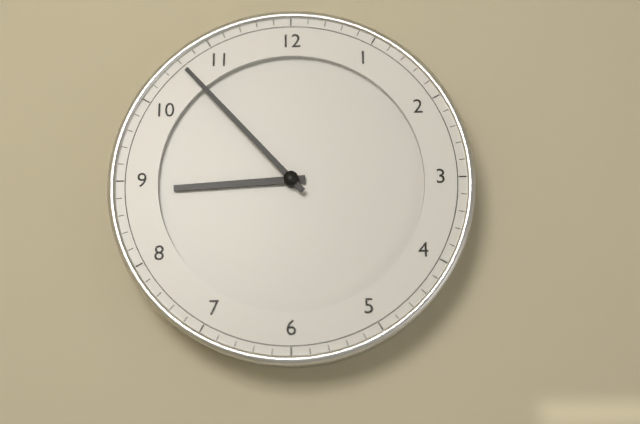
8:53
